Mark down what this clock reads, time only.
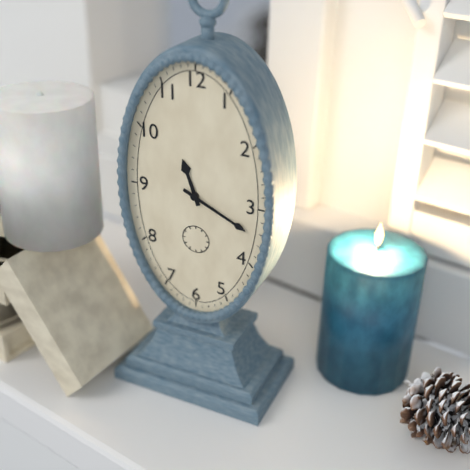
11:19
